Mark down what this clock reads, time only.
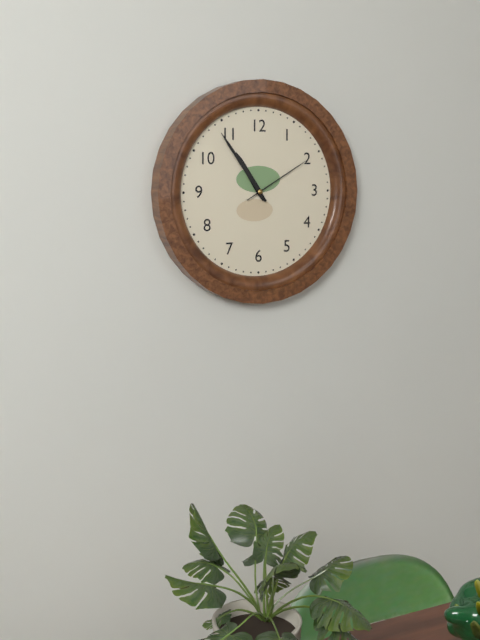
10:54:10
